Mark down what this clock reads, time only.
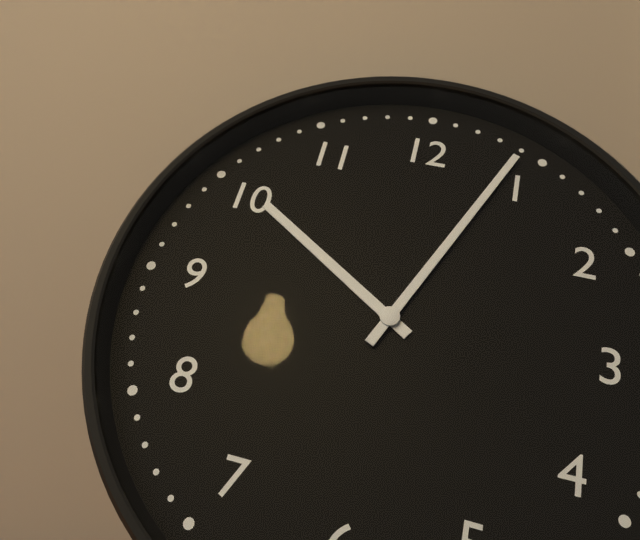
10:04
